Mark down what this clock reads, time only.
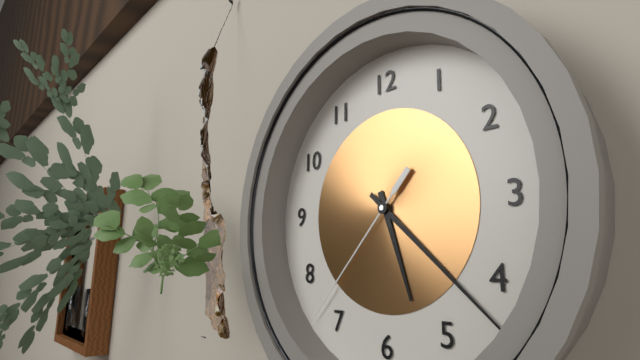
5:22:37
